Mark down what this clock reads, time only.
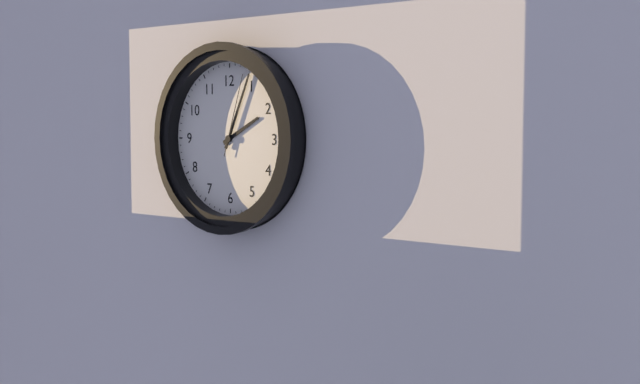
2:04:03
